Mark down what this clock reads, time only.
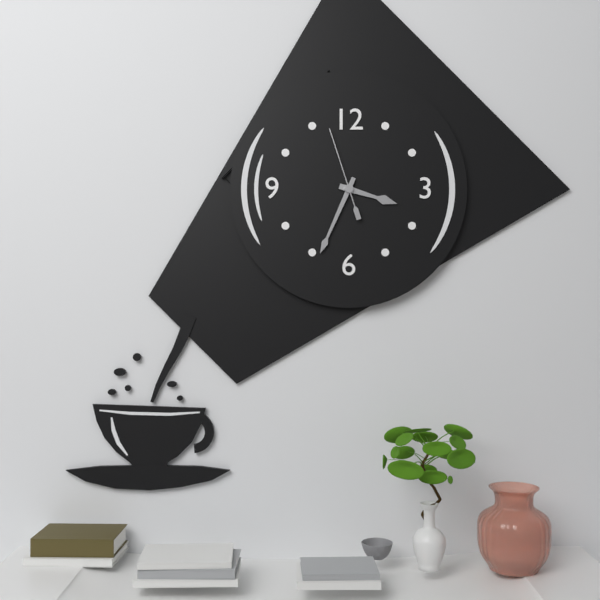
3:34:57
